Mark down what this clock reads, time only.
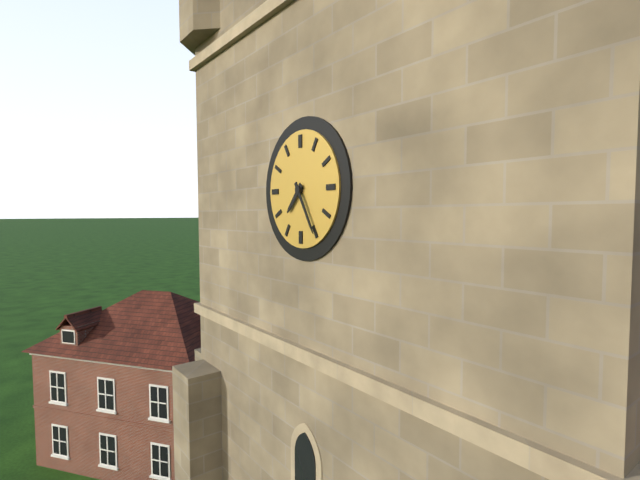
7:25
